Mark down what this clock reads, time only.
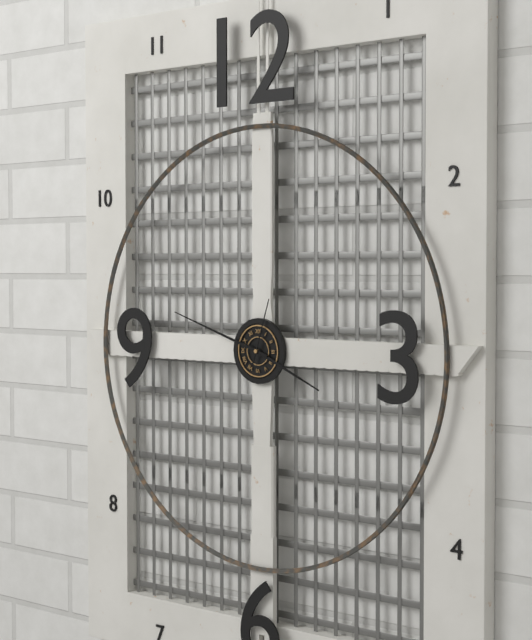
3:48:03
